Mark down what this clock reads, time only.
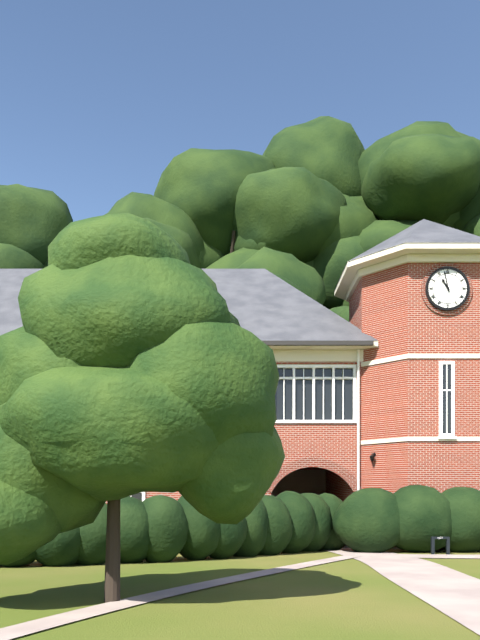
10:58
